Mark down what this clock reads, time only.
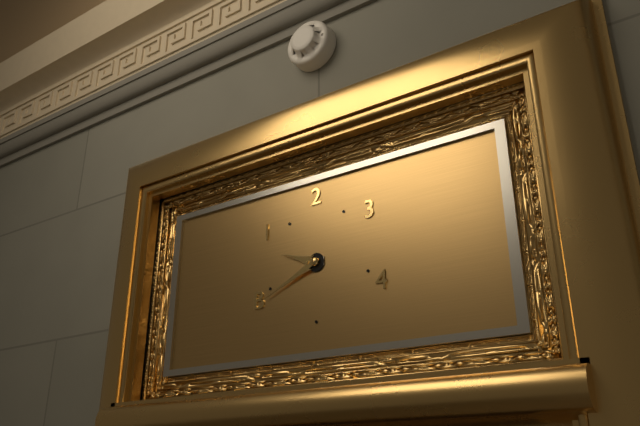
9:41
